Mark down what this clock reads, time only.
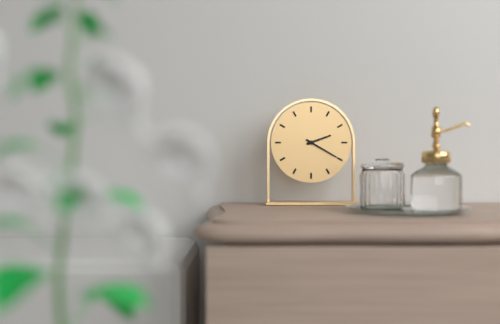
2:20
